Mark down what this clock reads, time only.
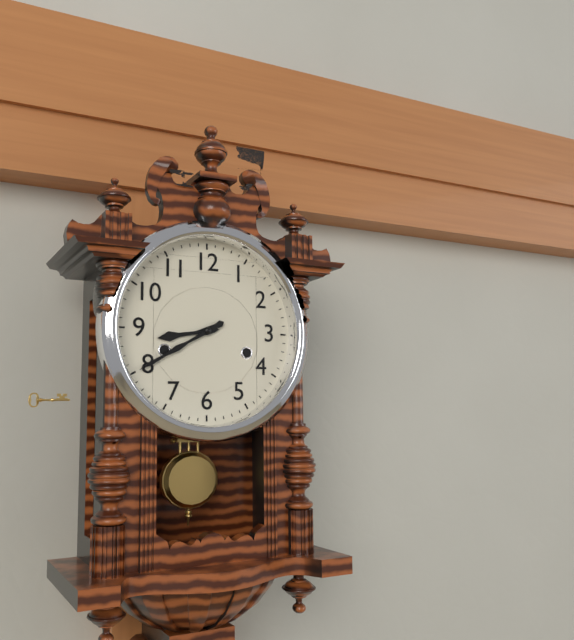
8:40
